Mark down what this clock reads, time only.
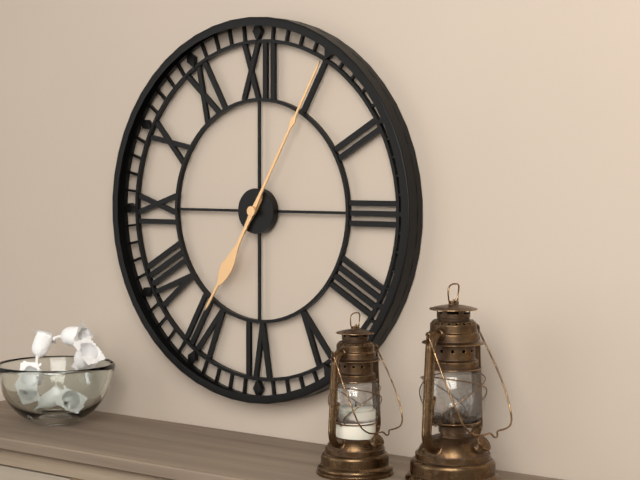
7:05
